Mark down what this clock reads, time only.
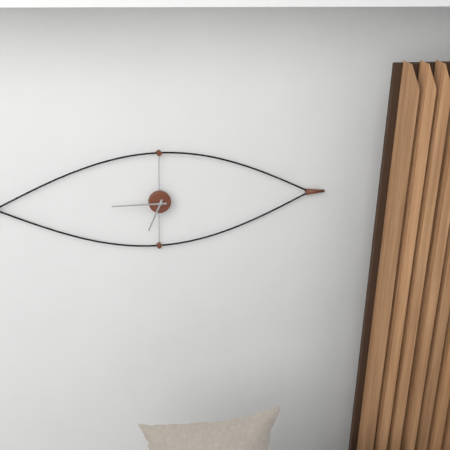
6:45
